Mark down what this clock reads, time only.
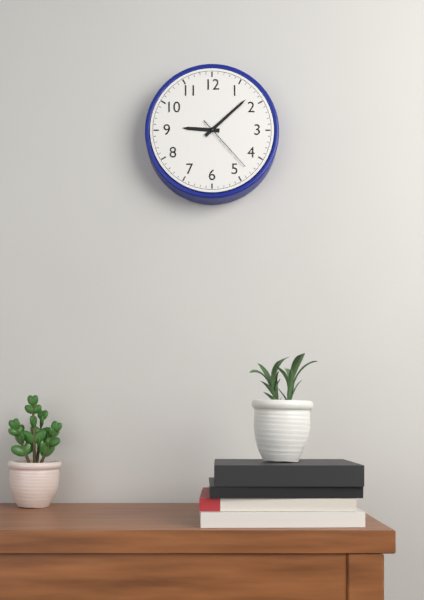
9:08:23
